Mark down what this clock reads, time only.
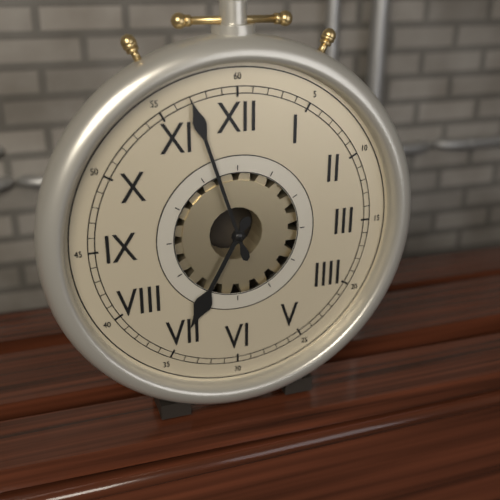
6:57
